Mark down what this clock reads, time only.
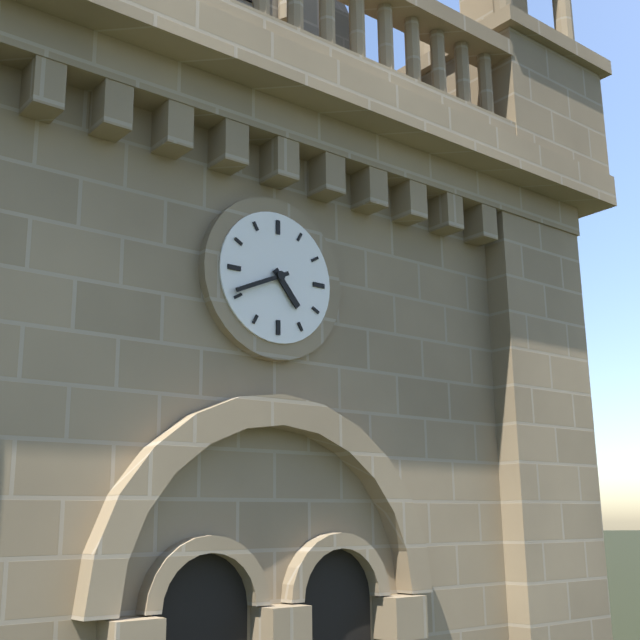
4:41
